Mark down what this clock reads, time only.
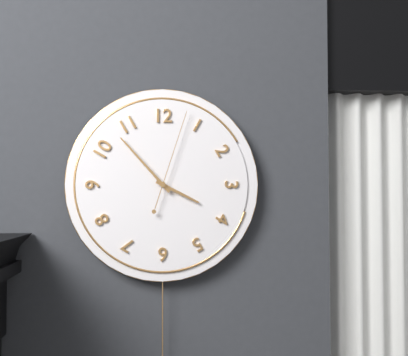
3:53:03
